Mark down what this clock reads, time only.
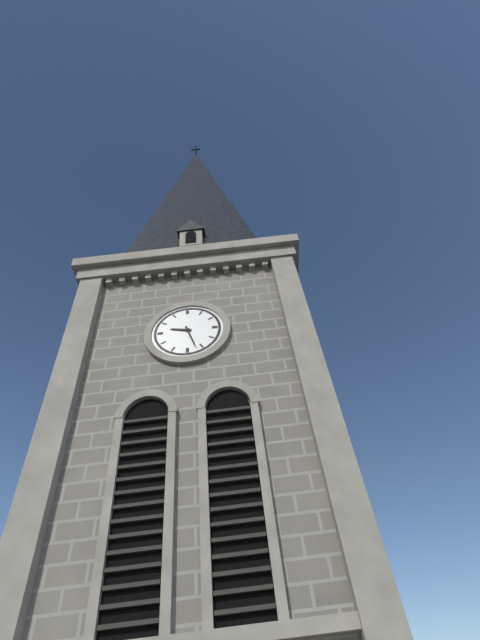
9:27
